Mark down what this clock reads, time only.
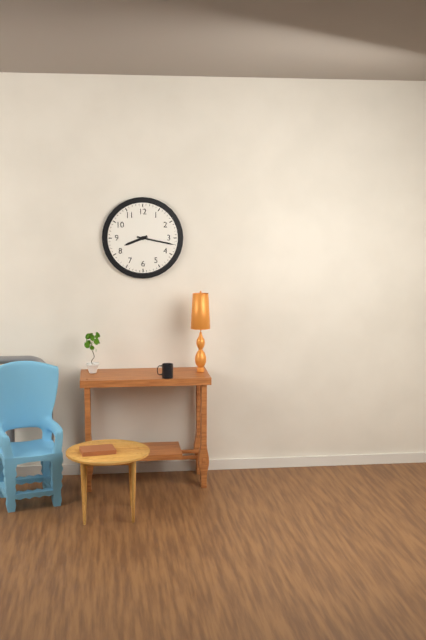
8:17
